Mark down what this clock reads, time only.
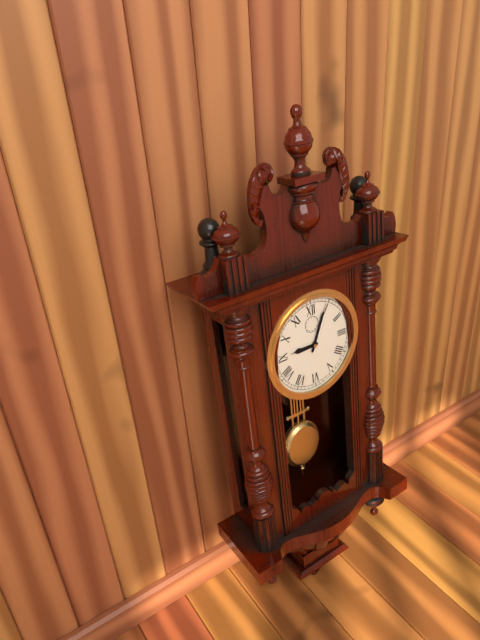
9:04
